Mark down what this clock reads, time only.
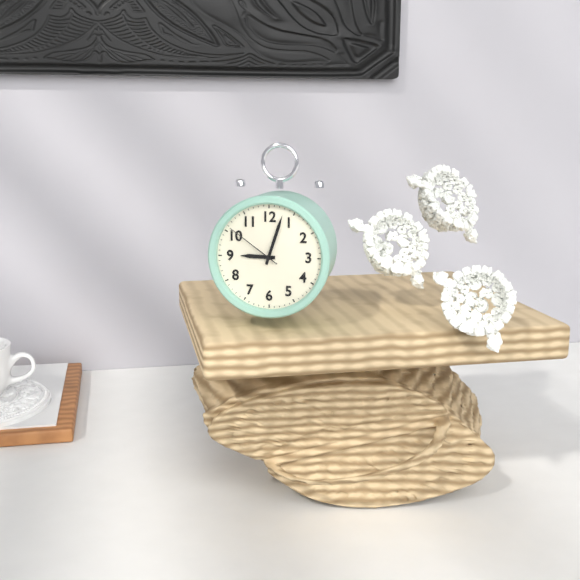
9:03:51
